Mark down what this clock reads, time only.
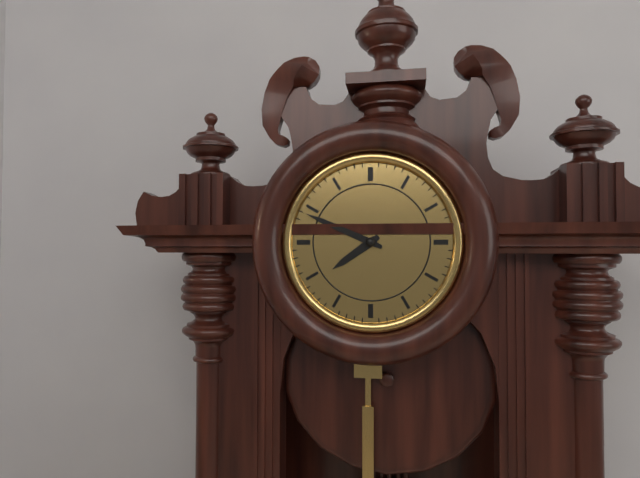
7:49
